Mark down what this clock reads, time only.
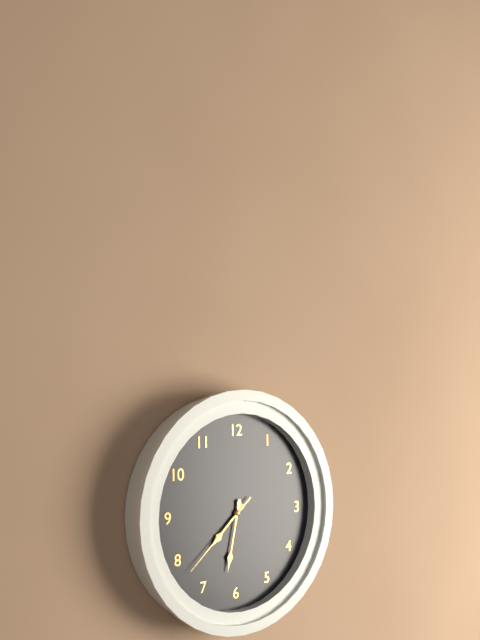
7:32:38
